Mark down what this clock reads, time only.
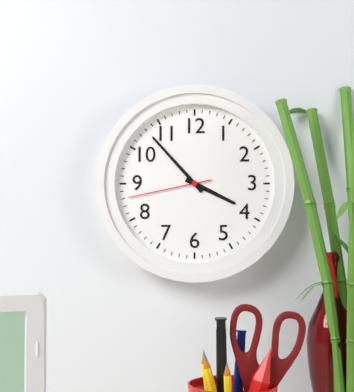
3:53:43
